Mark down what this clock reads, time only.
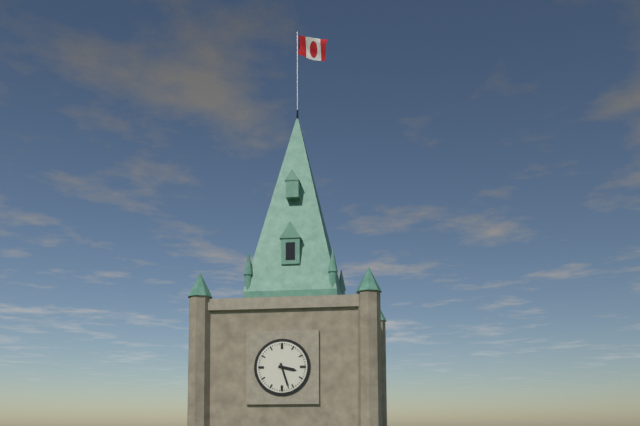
3:27
